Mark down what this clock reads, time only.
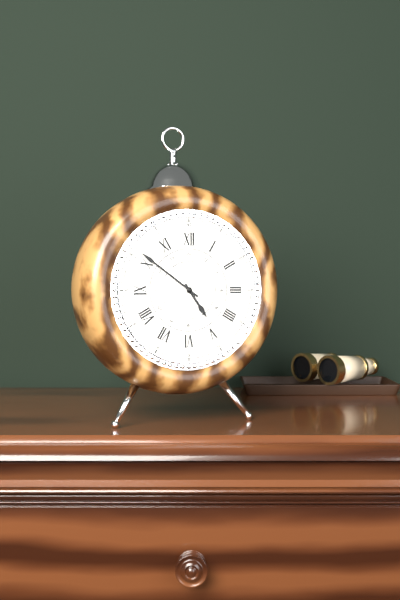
4:51
